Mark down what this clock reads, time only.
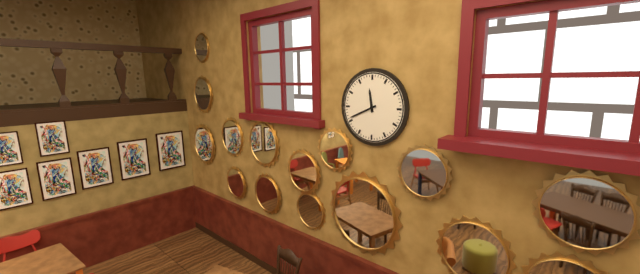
11:41
